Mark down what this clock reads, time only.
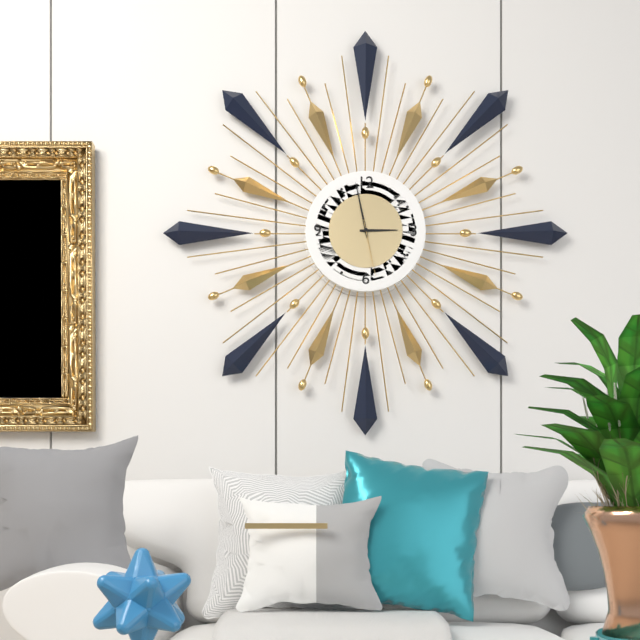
2:58:28
